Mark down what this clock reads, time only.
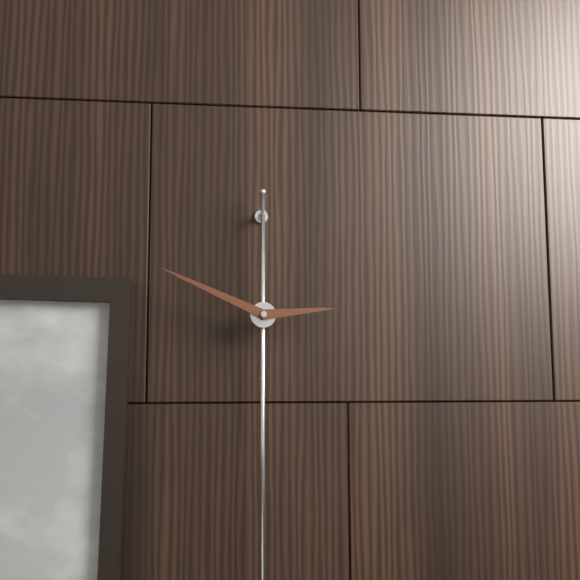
2:49
